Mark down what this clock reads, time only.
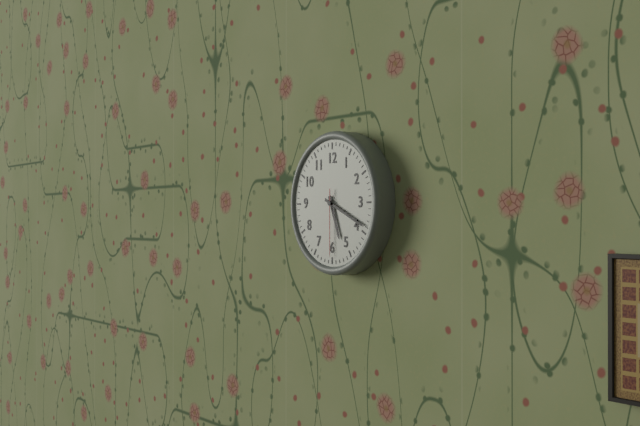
5:19:30
